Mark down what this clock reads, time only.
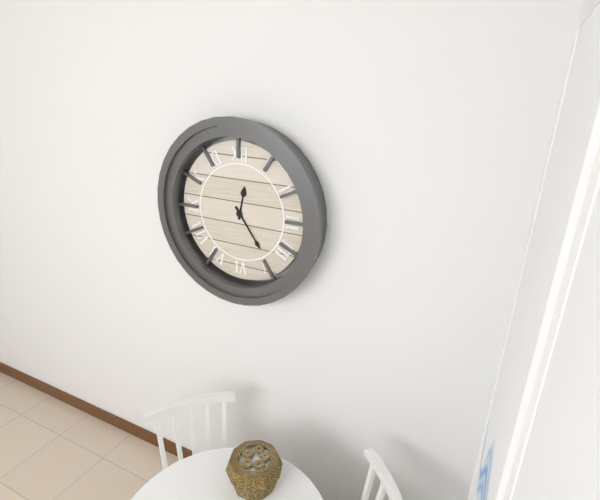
12:24
